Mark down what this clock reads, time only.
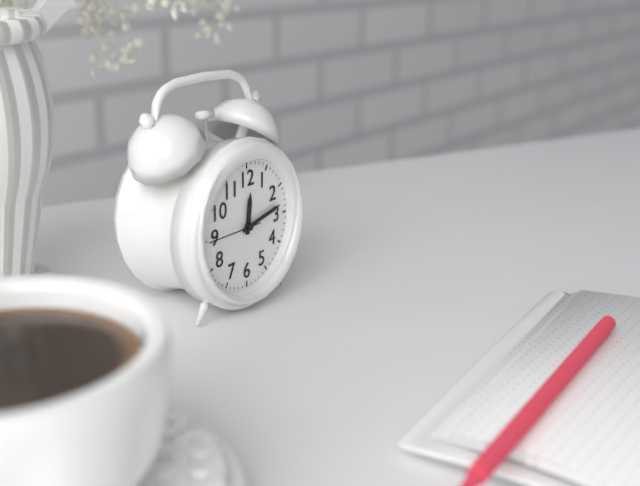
12:13:45
